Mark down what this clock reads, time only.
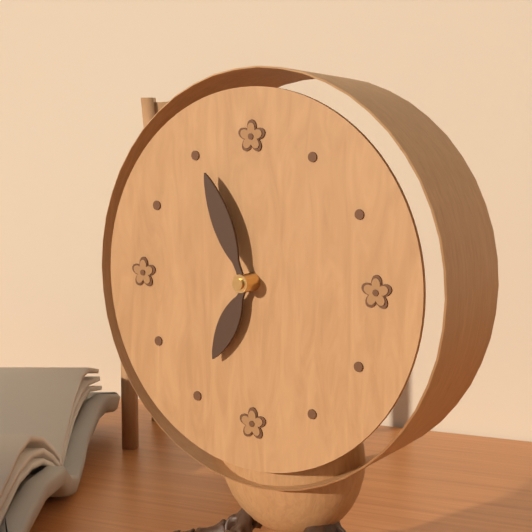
6:56
